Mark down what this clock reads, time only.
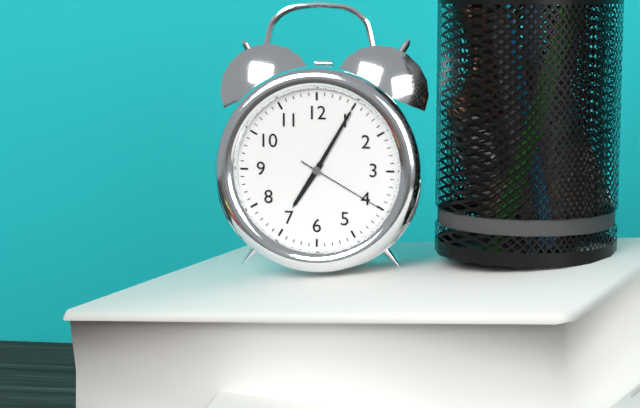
7:05:20
